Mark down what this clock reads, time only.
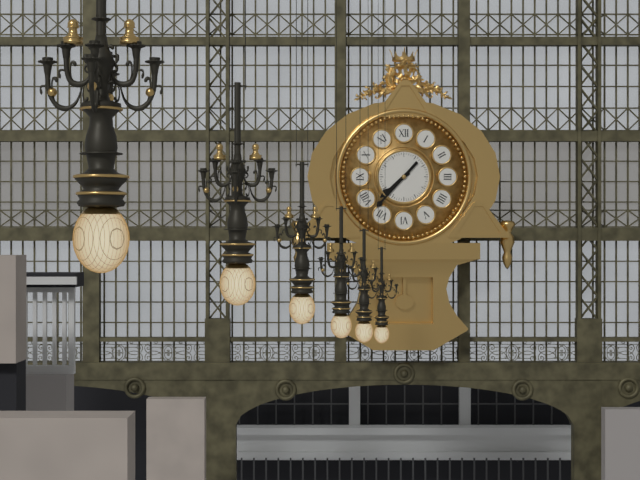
7:37
